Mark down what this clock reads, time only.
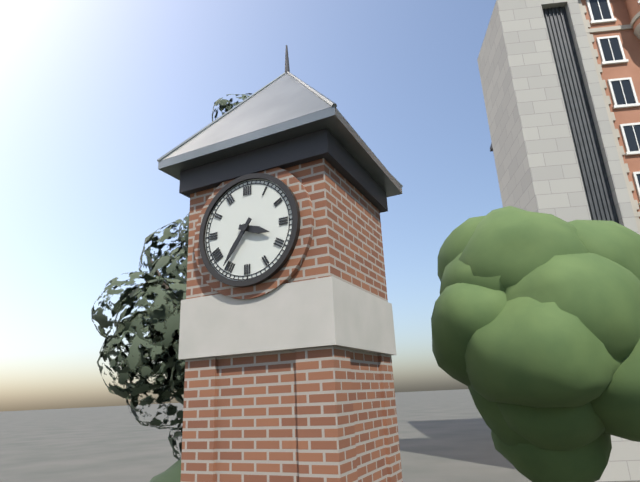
3:36
